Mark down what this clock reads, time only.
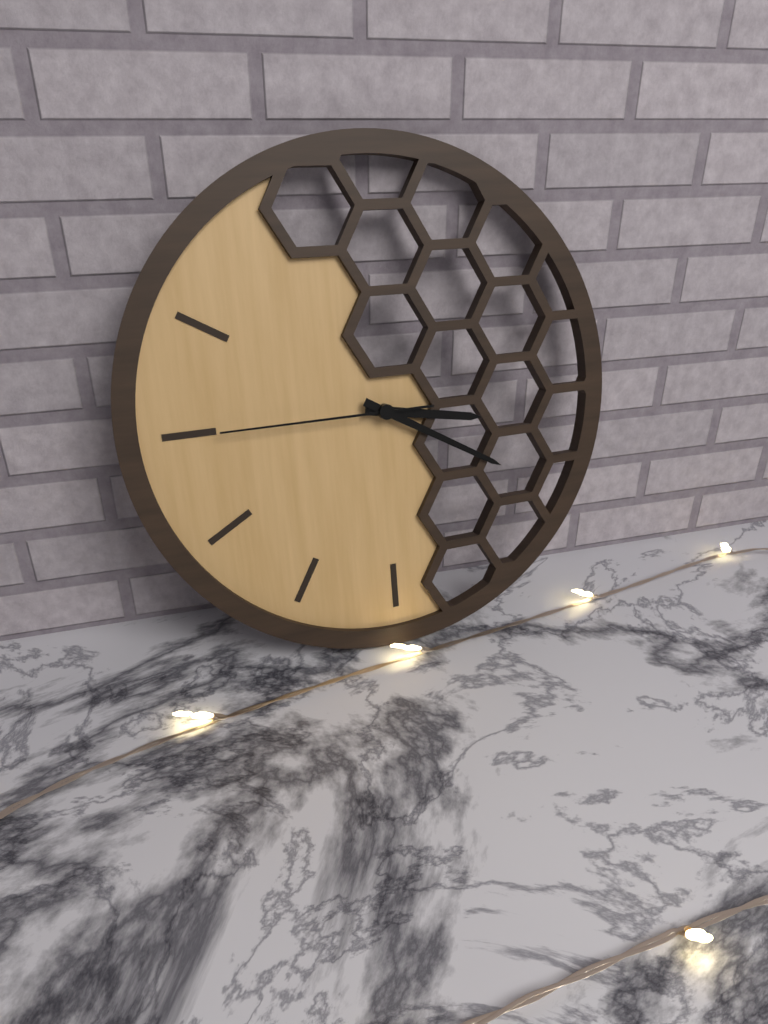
3:20:45
